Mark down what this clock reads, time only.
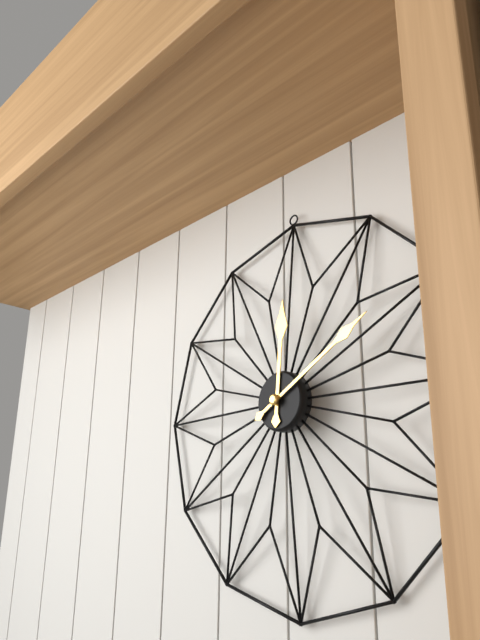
12:10
